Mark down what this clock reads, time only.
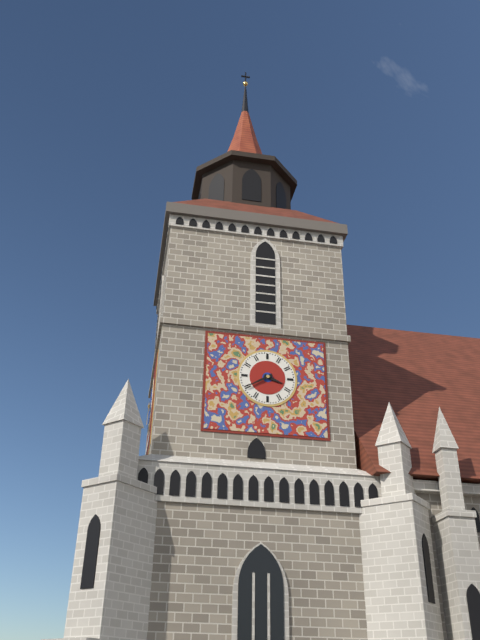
3:40
